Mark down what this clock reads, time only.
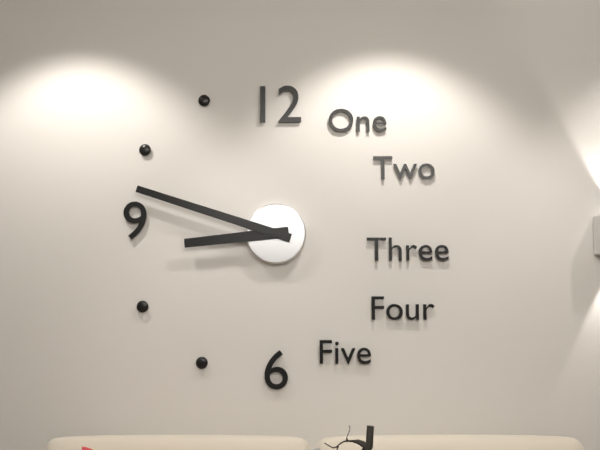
8:48
